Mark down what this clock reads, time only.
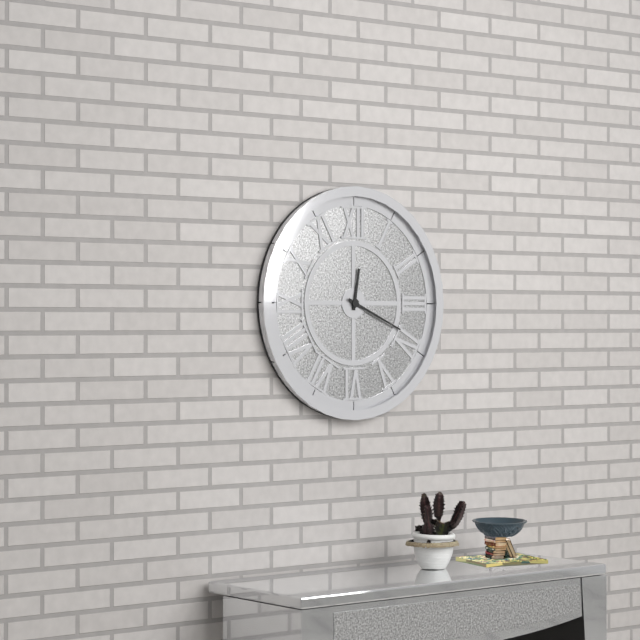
12:19
